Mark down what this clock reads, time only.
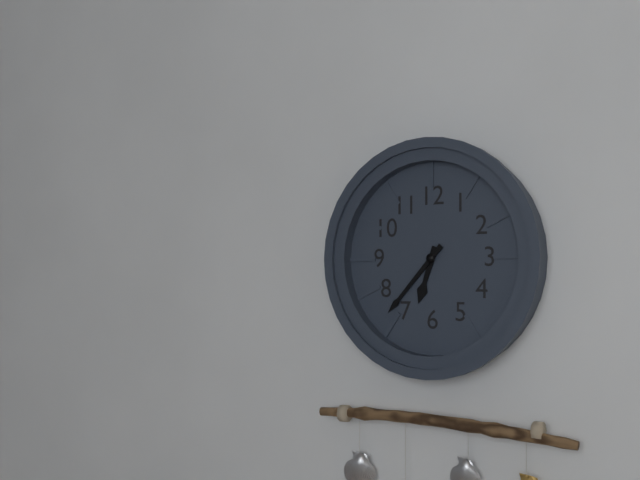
6:37
